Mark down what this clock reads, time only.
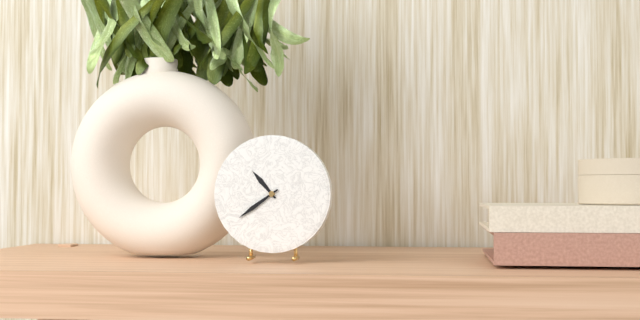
10:39
